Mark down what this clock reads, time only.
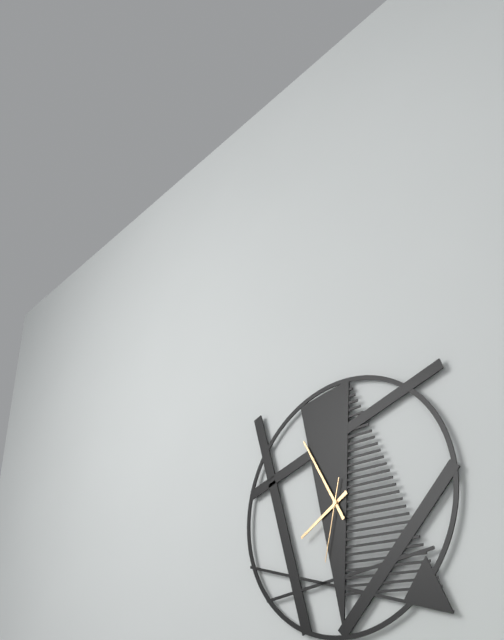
7:55:32
